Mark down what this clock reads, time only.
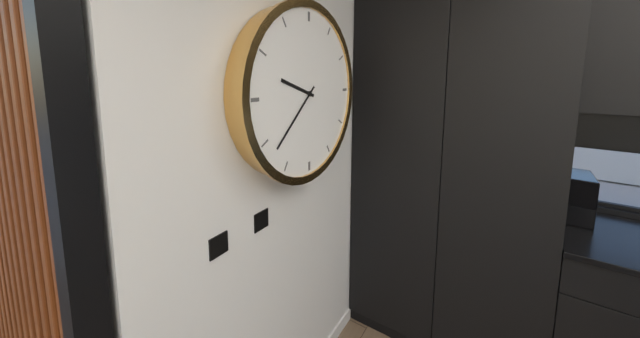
9:38
